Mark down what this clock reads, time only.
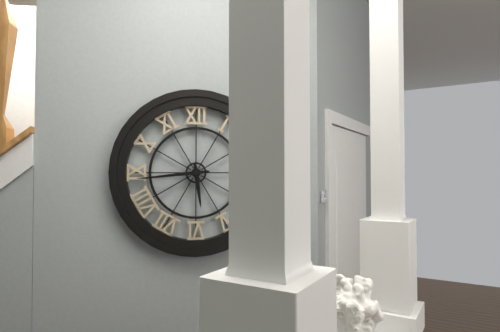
5:44
